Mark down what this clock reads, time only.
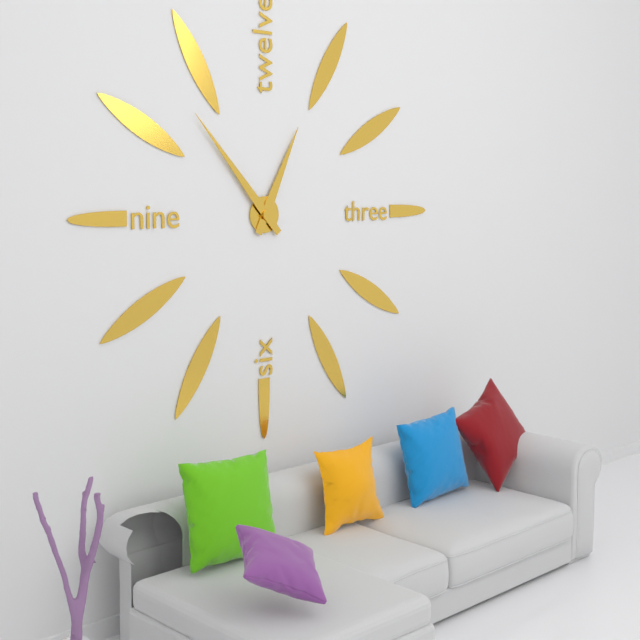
12:53
